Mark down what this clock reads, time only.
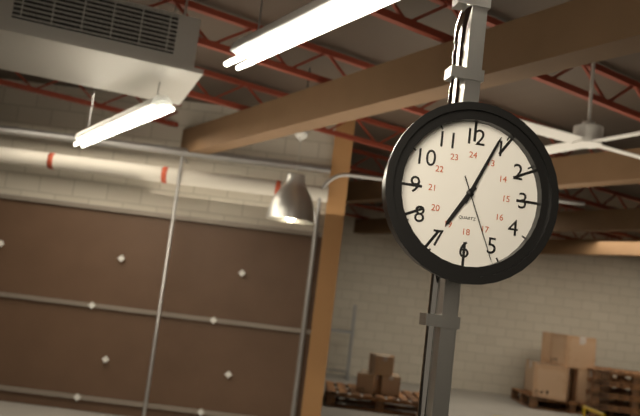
7:04:26
